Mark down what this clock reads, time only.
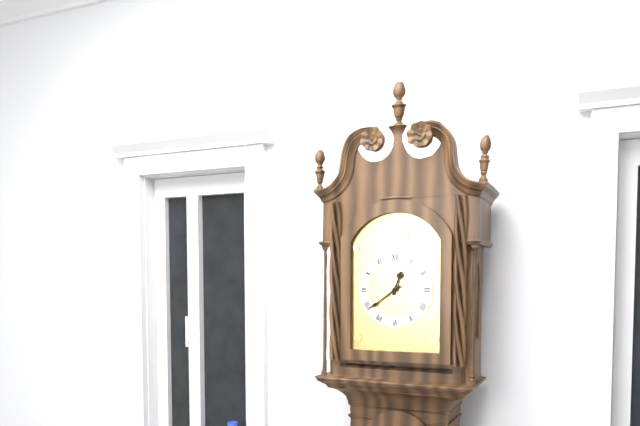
12:39
